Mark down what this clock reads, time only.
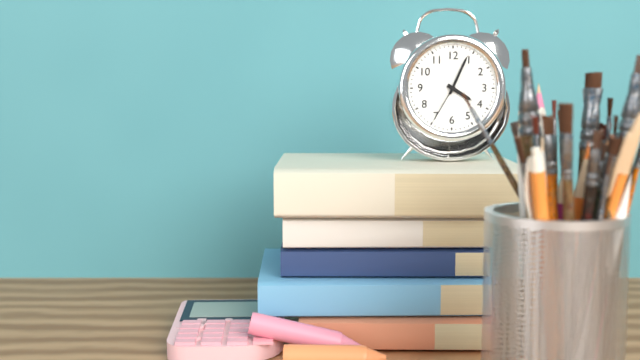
4:04
